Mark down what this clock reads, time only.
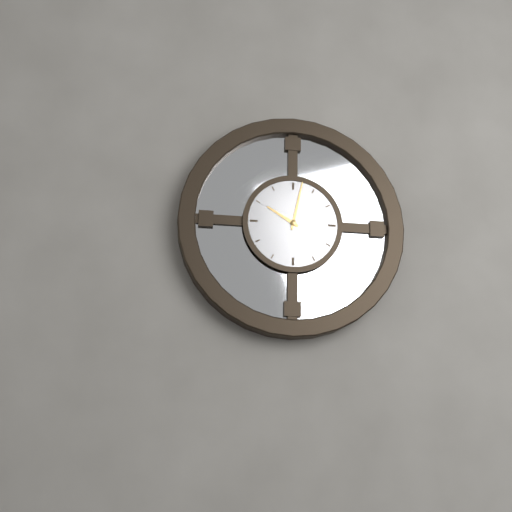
10:02
